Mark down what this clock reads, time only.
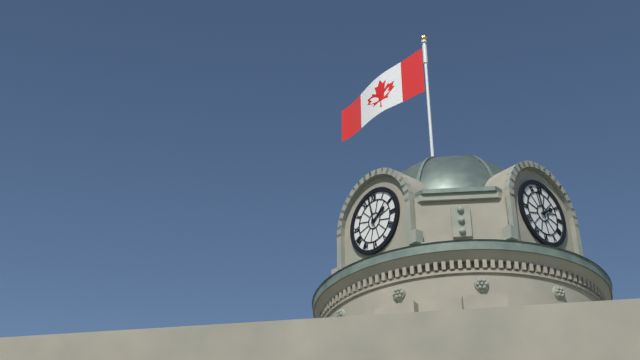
1:58
